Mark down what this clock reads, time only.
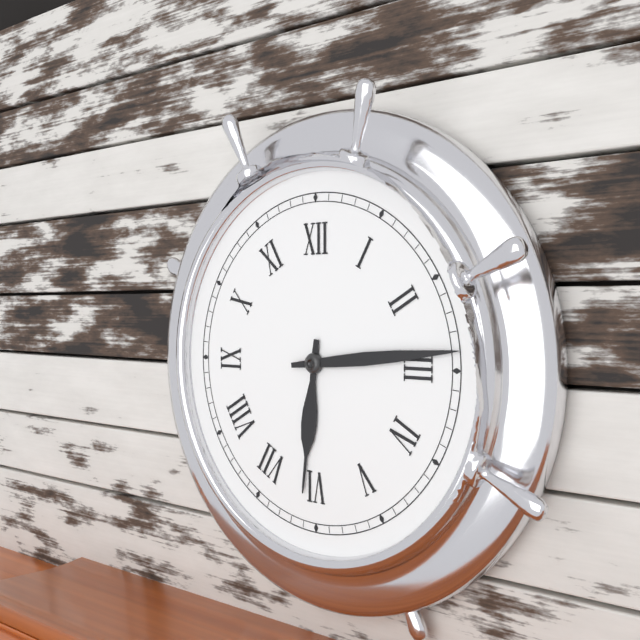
6:14
